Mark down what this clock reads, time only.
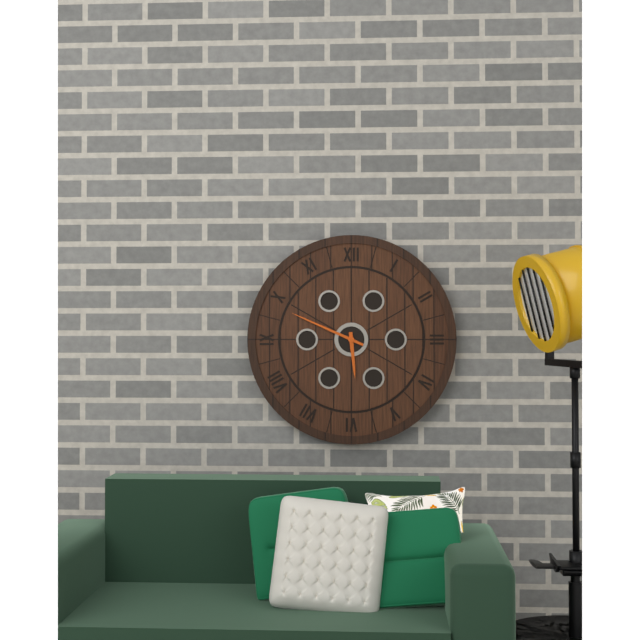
5:49
